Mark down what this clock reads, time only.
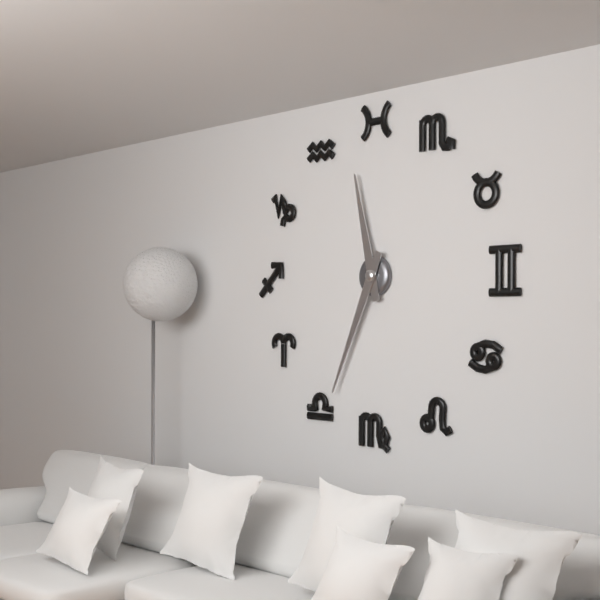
11:34
